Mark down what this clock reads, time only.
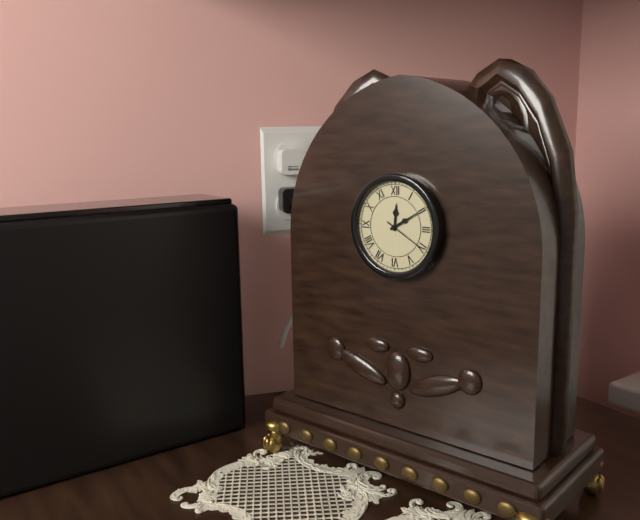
12:10
